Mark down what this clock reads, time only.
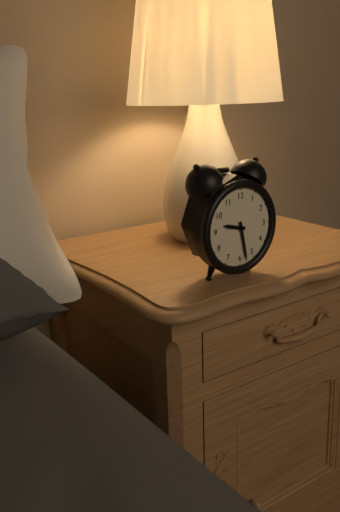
9:28
